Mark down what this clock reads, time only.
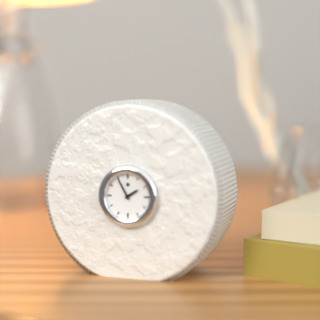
1:55
